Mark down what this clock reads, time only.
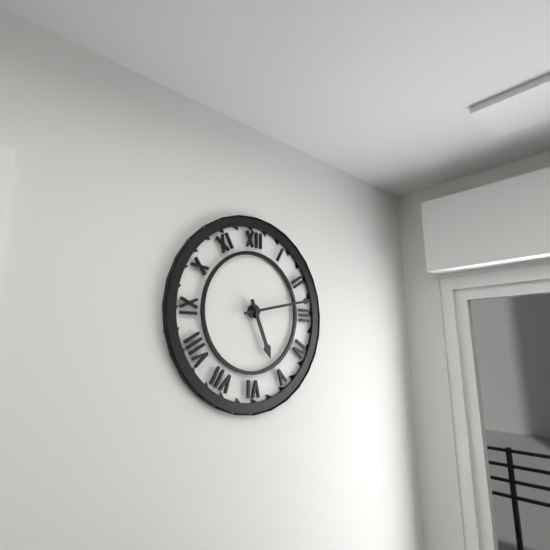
5:13
